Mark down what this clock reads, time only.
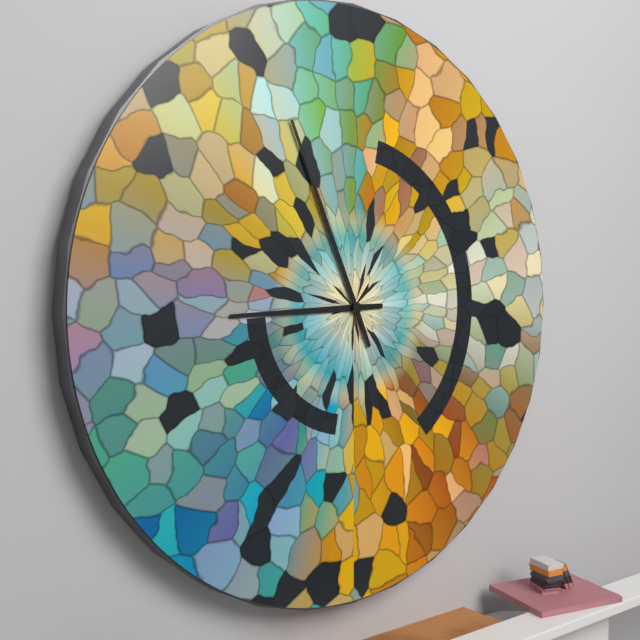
8:56
